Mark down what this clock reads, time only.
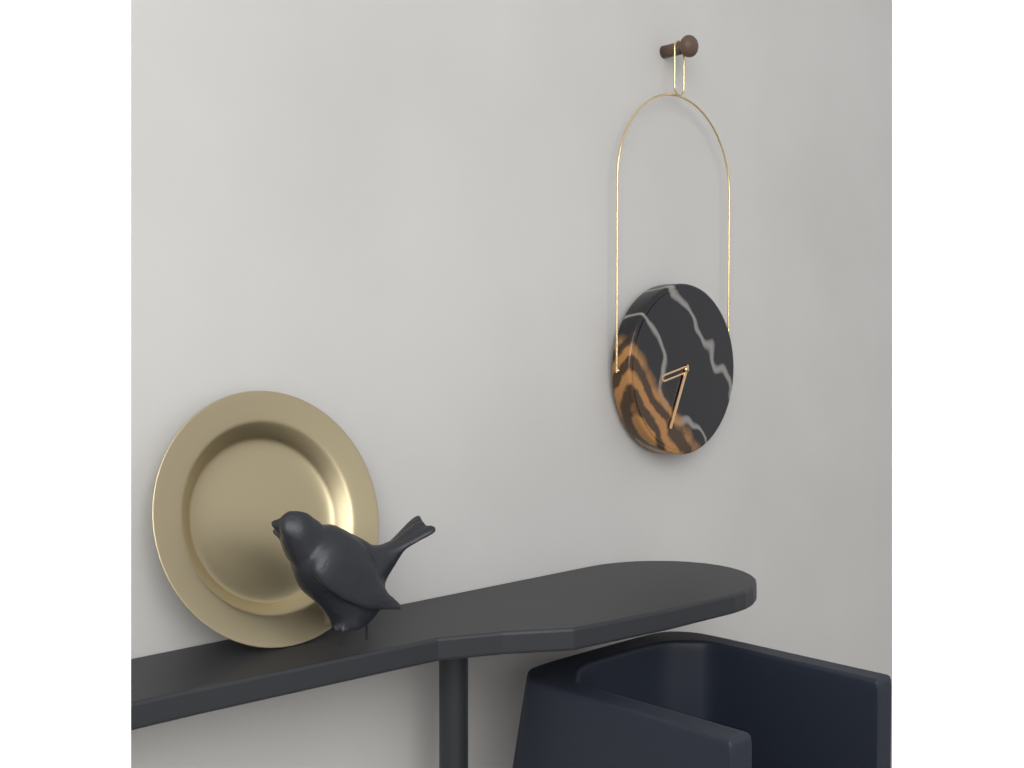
8:34
